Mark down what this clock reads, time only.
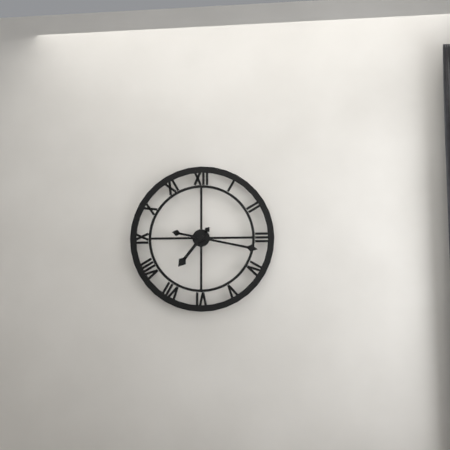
7:17
